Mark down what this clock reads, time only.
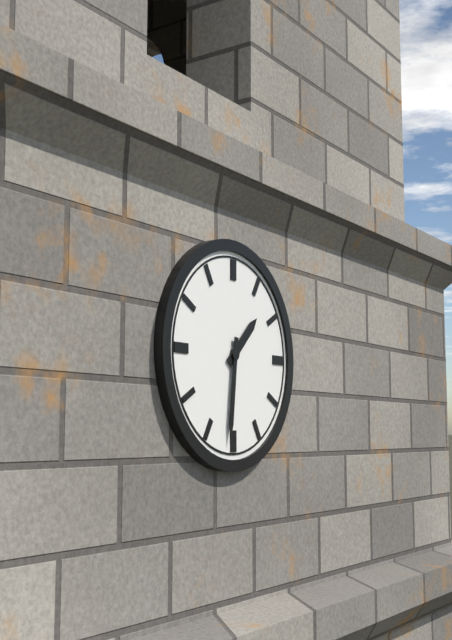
1:31
